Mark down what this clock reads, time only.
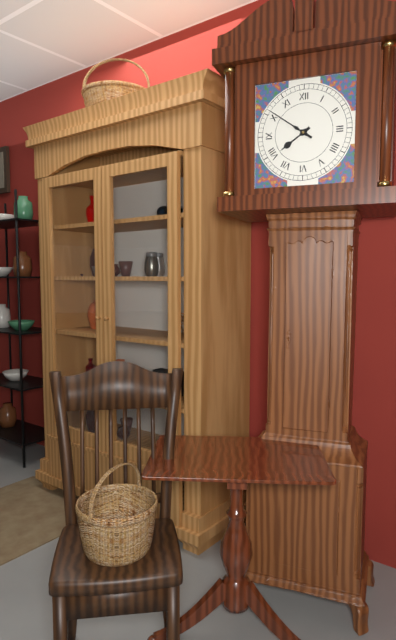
7:51
